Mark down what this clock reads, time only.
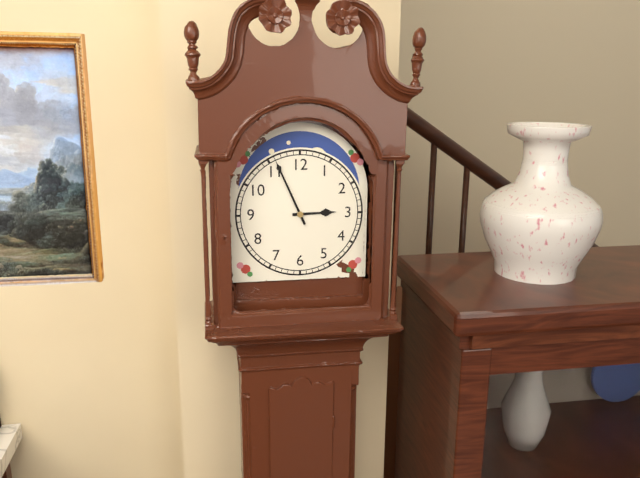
2:56
